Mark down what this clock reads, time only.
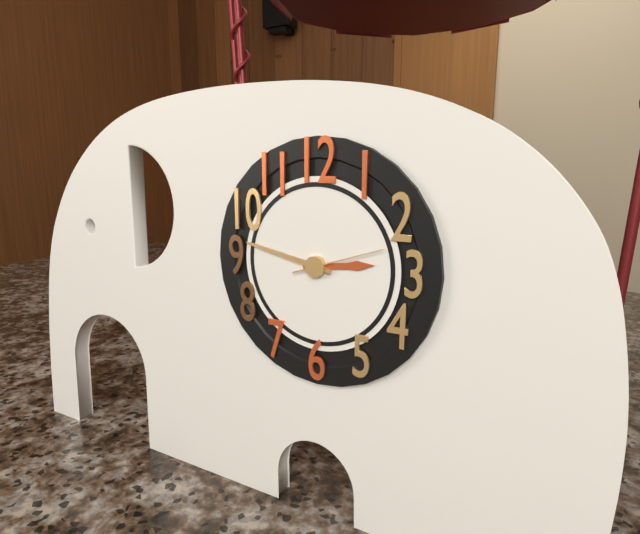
2:47:12
